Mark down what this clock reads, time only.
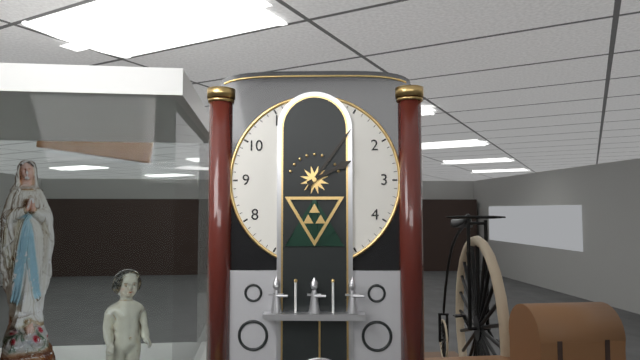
2:06
